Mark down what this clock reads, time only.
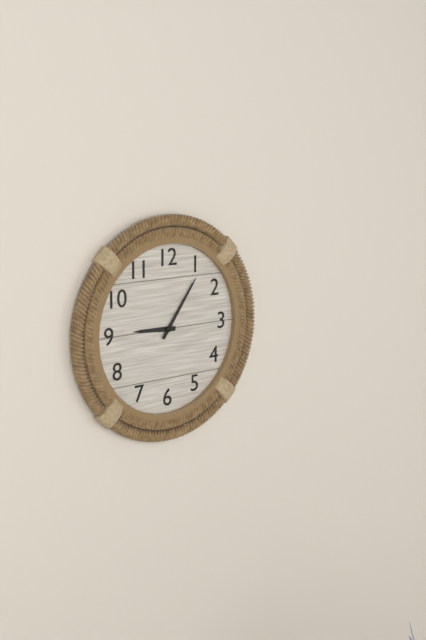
9:06
